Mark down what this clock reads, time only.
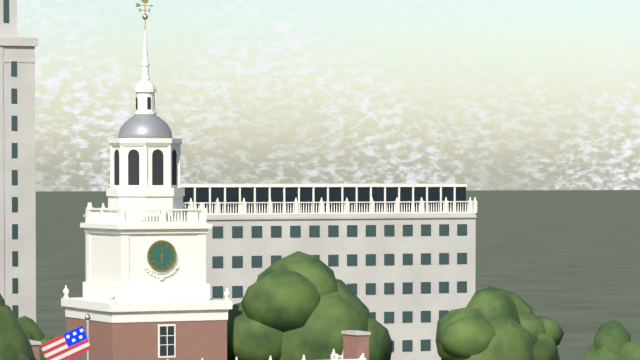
6:01
